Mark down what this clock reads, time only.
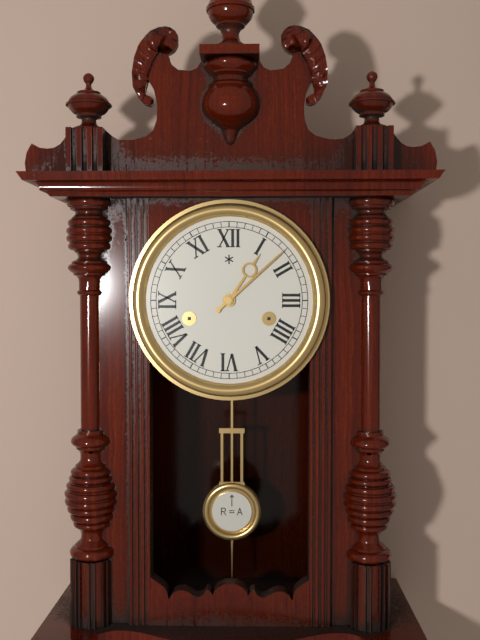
1:08
